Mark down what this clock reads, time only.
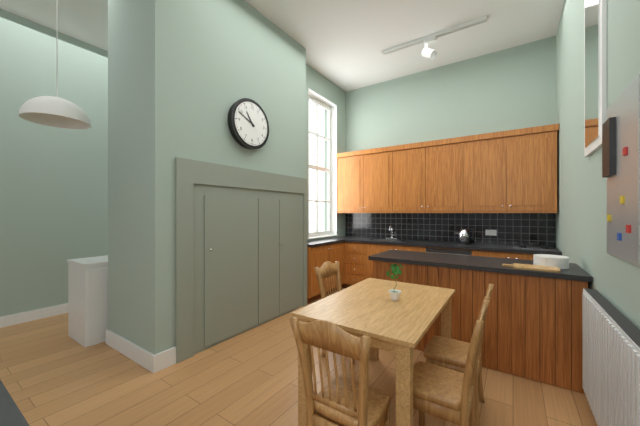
10:49
